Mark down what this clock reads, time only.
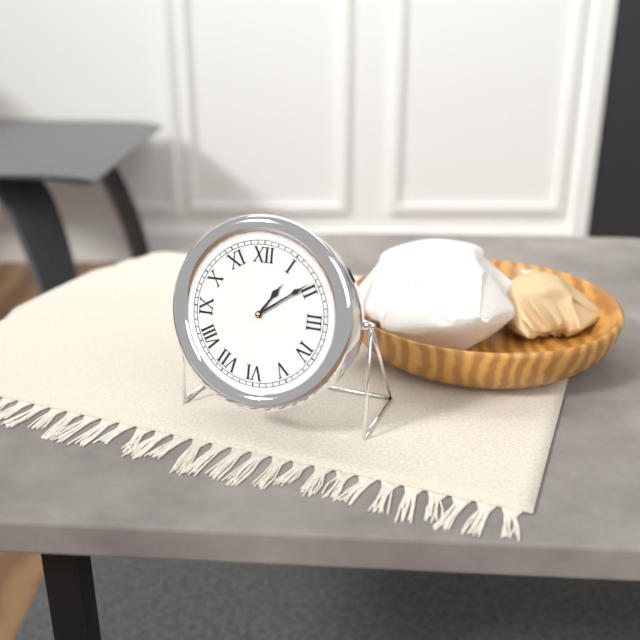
1:09
